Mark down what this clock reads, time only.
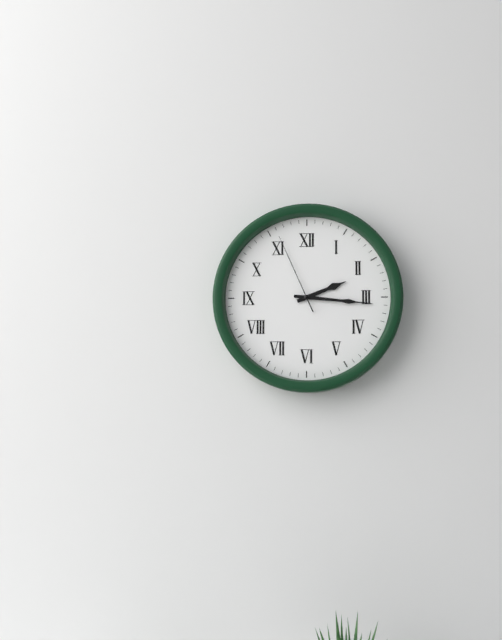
2:16:56
